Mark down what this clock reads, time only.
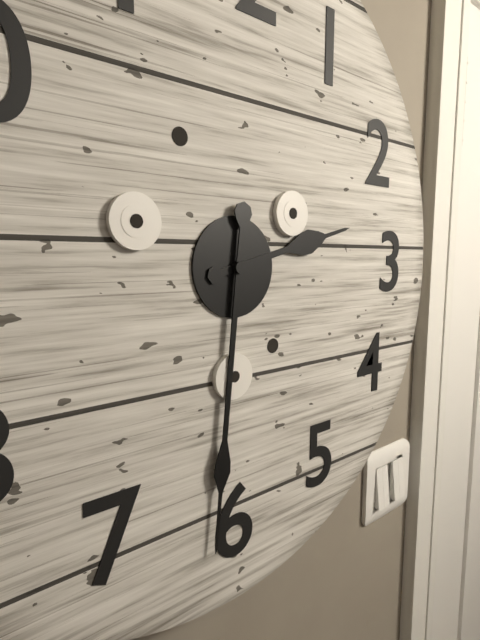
2:31
